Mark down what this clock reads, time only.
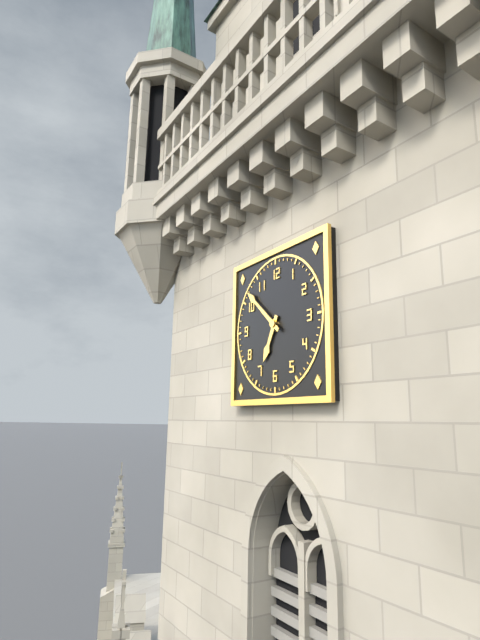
6:52
